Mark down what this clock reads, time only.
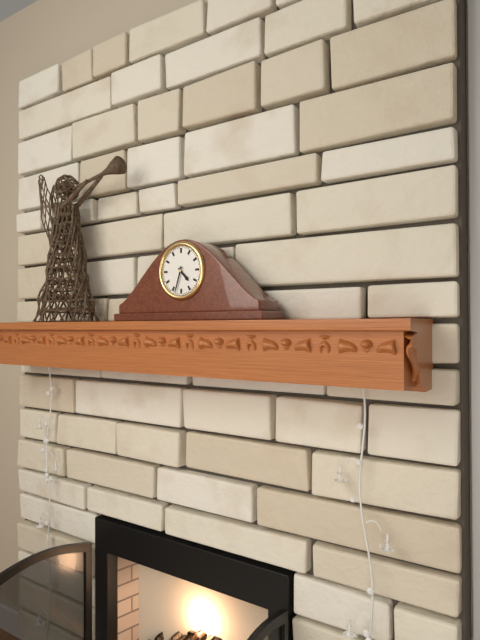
4:33
